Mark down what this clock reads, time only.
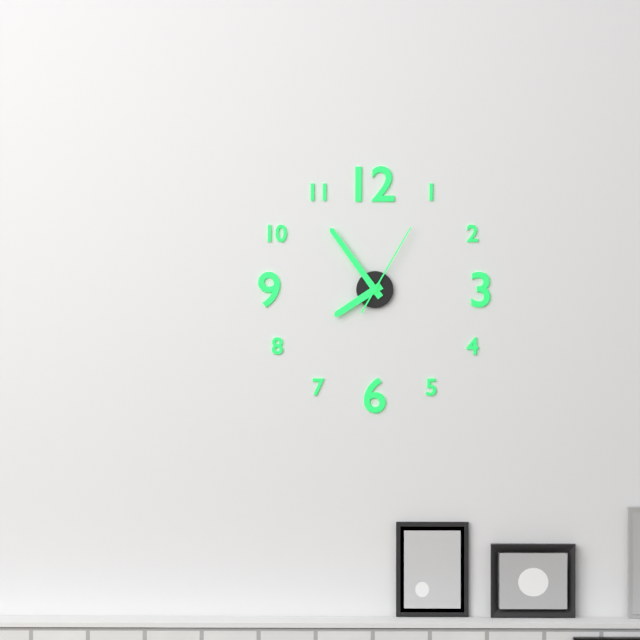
7:54:05
